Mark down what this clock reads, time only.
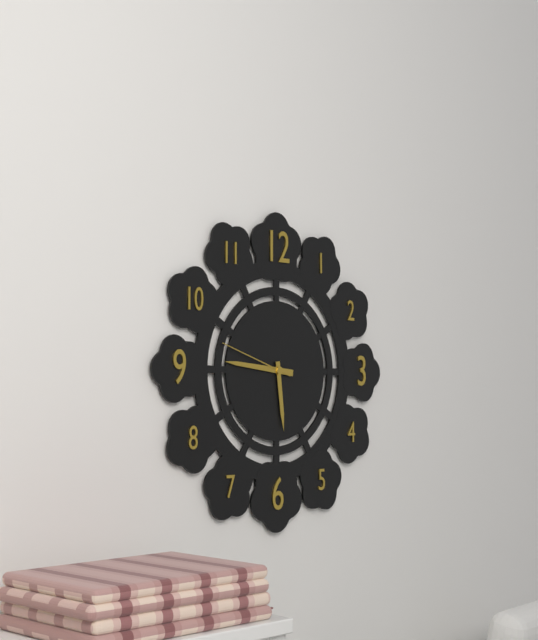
5:46:48
